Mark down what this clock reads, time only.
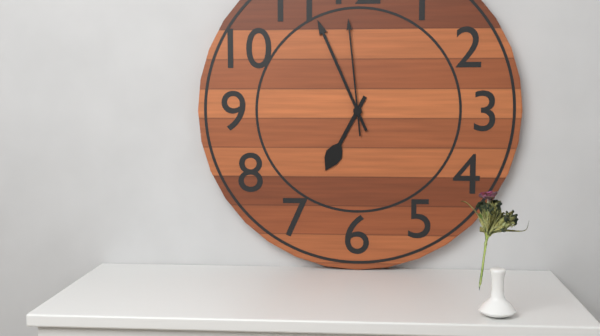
6:56:59
